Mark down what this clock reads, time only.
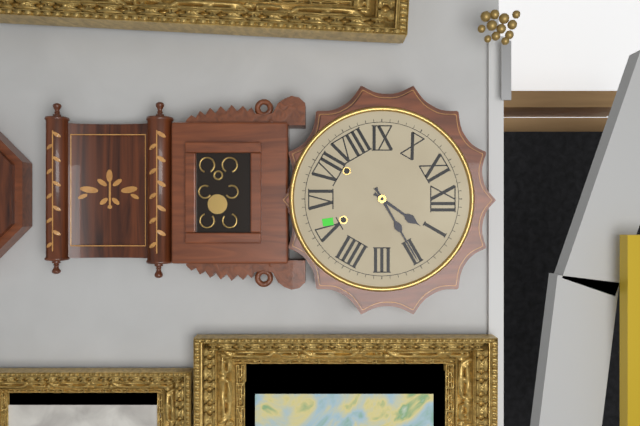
1:10
